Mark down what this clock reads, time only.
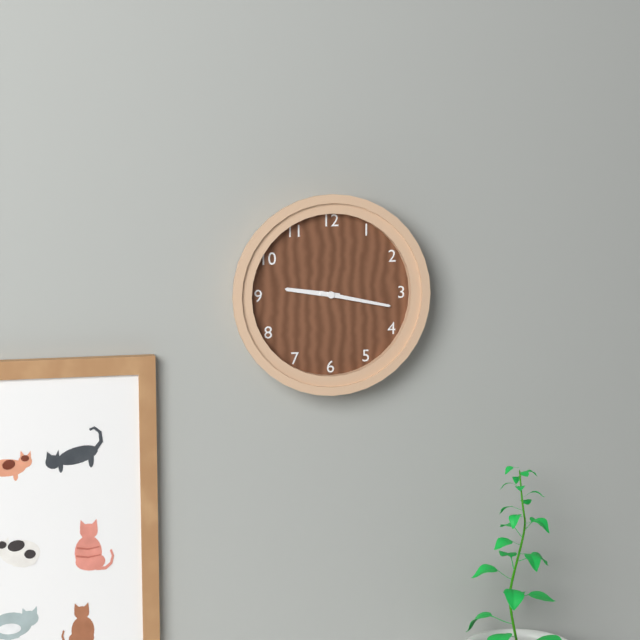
9:17
